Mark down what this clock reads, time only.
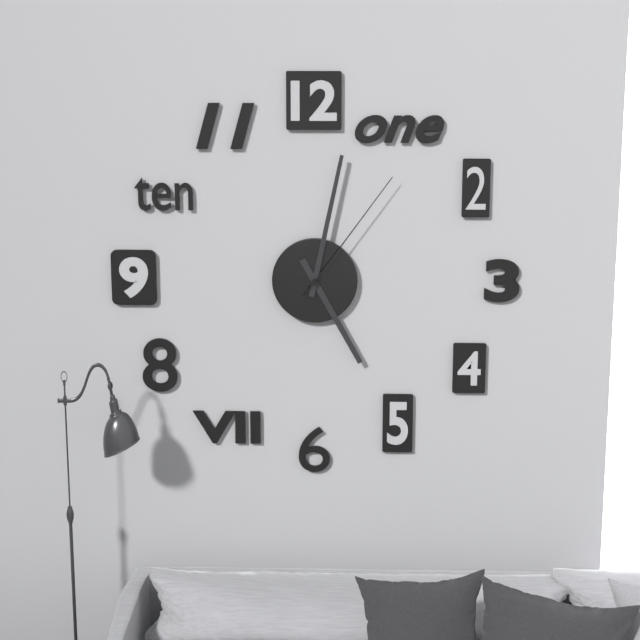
5:02:06
